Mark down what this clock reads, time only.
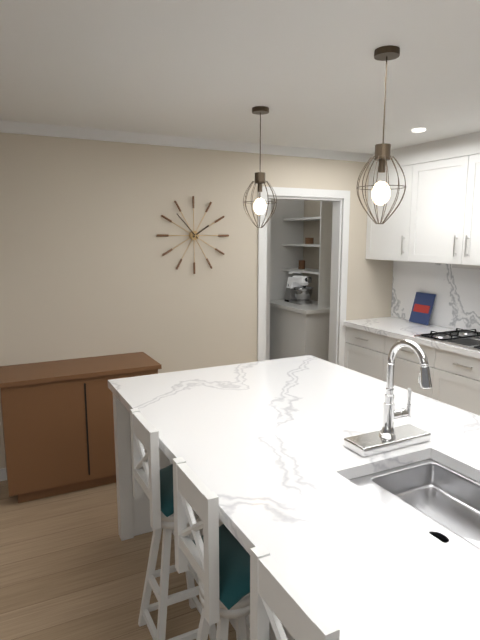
1:53
